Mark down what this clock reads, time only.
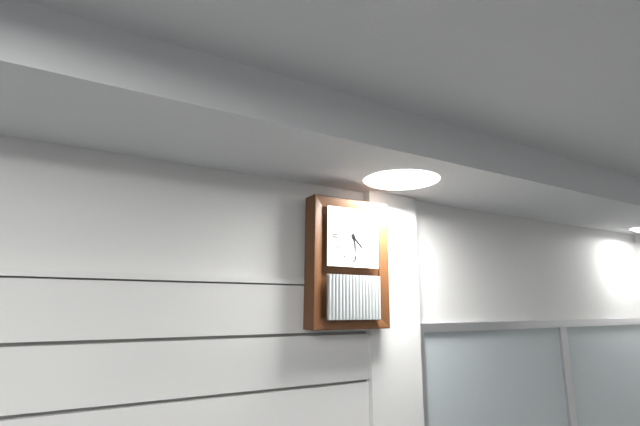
4:29
